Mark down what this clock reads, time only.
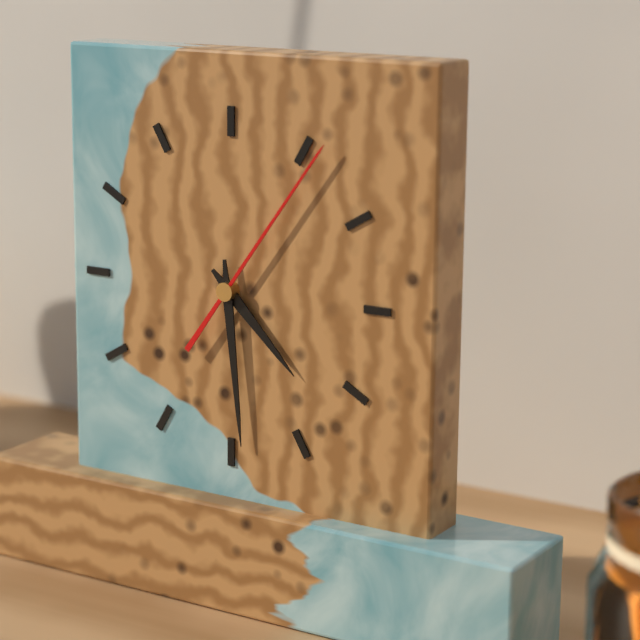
4:29:06
